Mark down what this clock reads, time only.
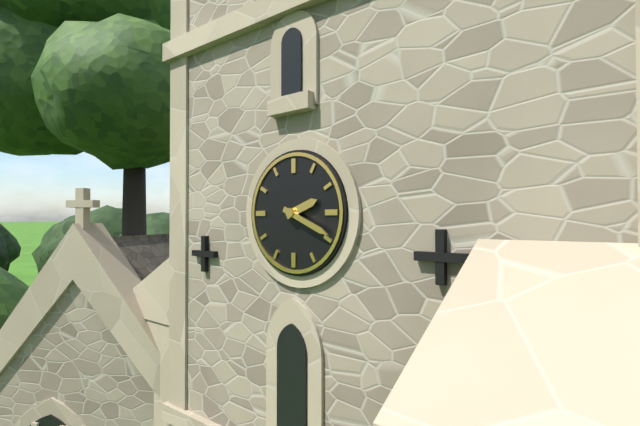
2:19
